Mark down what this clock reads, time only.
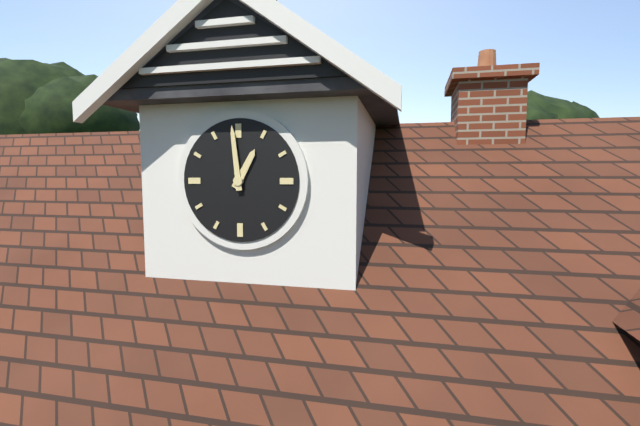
12:59
